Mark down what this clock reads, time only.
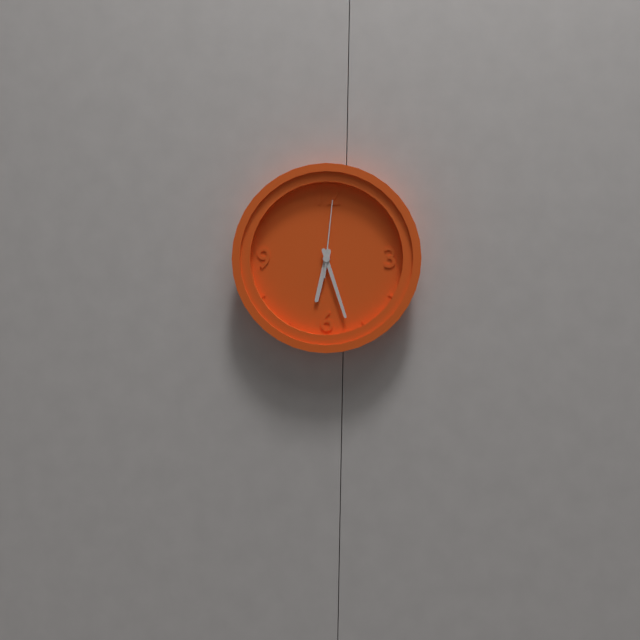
6:27:01
